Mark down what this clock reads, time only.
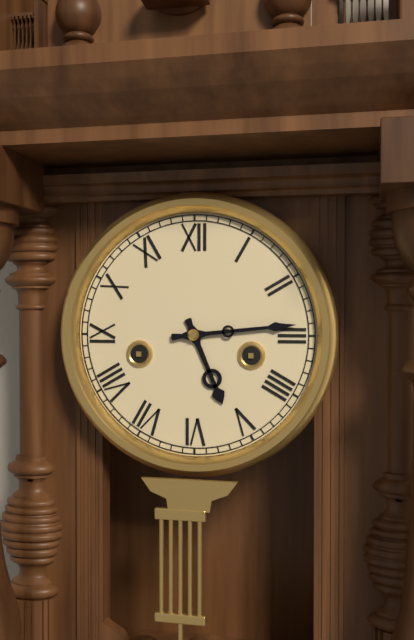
5:14
